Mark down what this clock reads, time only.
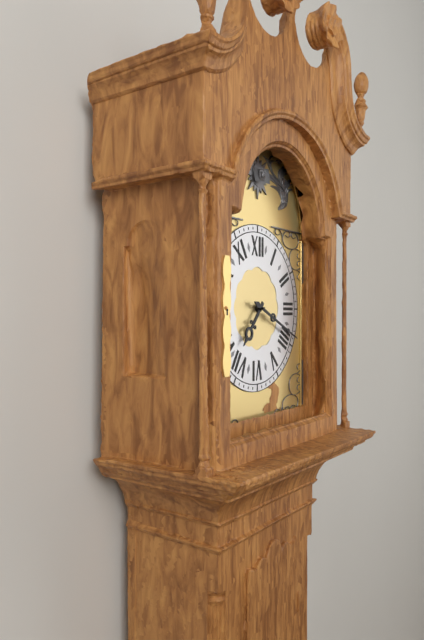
7:19
